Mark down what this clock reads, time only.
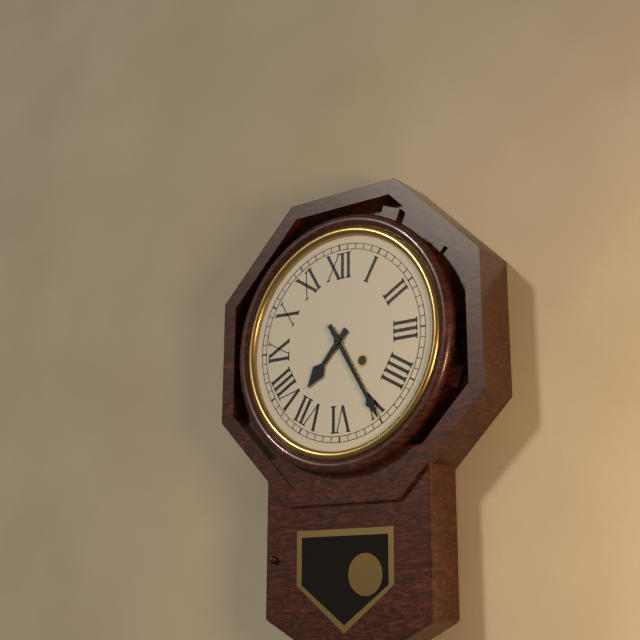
7:25
